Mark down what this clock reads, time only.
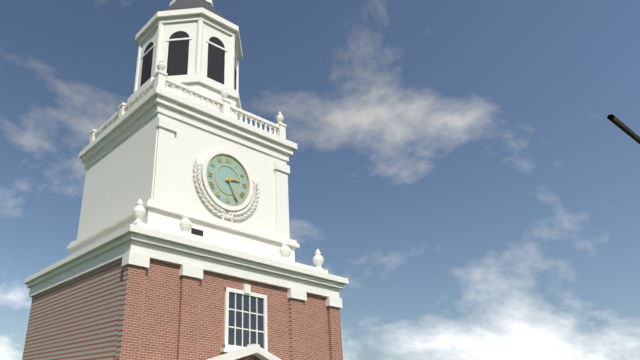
2:25
